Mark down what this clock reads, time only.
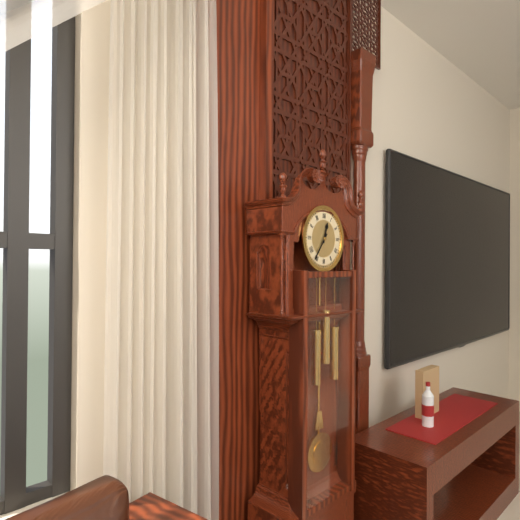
12:36
